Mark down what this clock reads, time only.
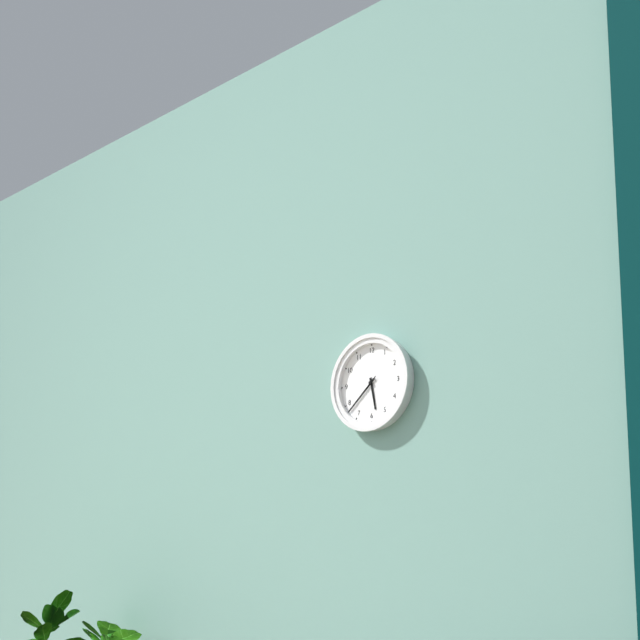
5:38
